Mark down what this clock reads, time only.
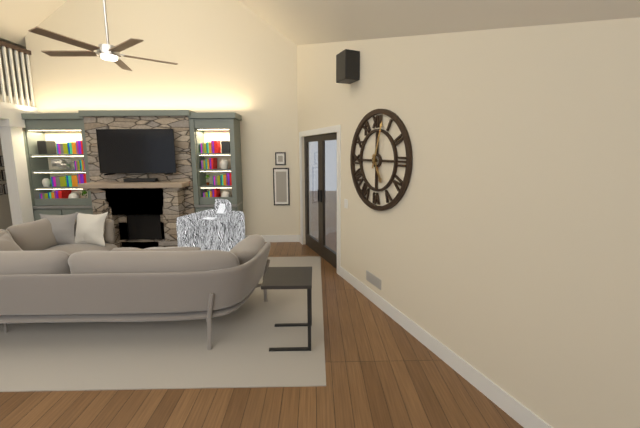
5:03
